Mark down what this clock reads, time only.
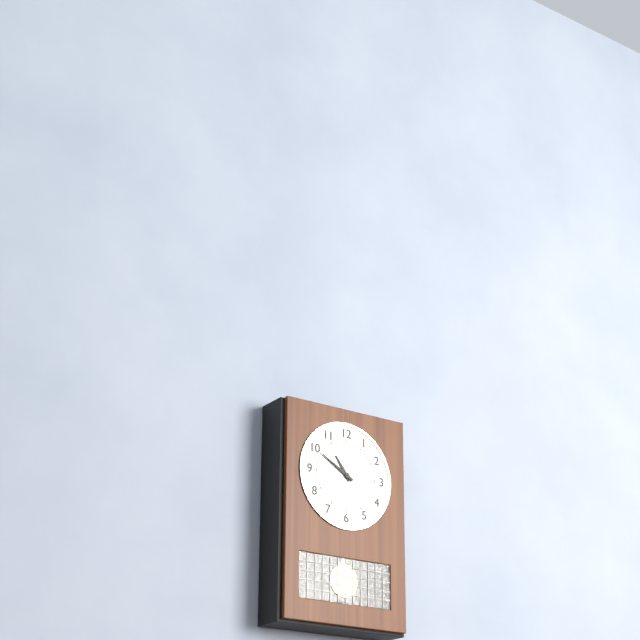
10:50
